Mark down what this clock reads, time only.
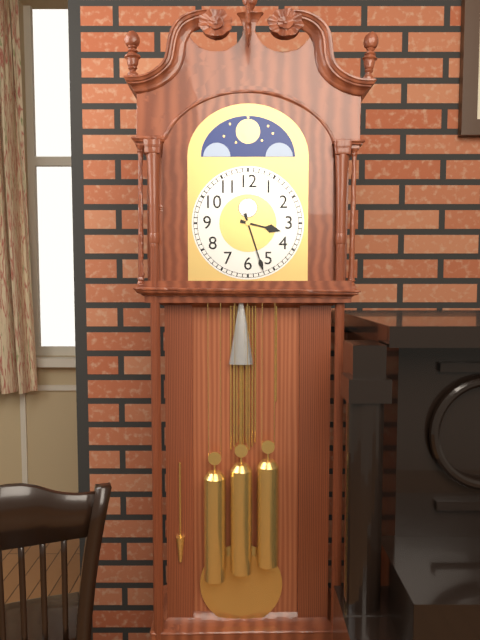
3:27
